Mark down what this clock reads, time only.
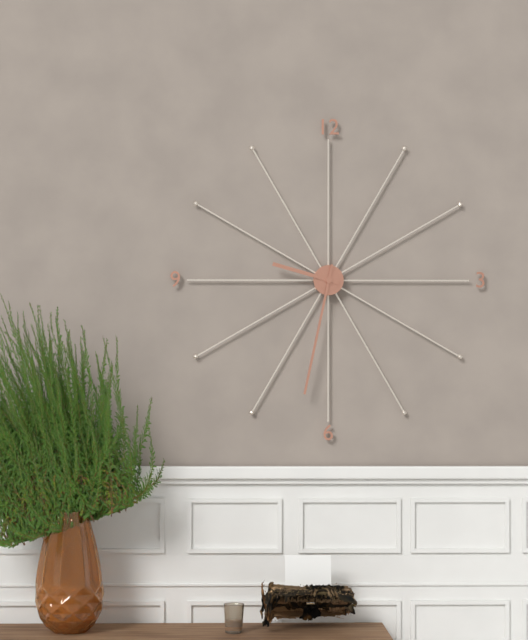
9:32
